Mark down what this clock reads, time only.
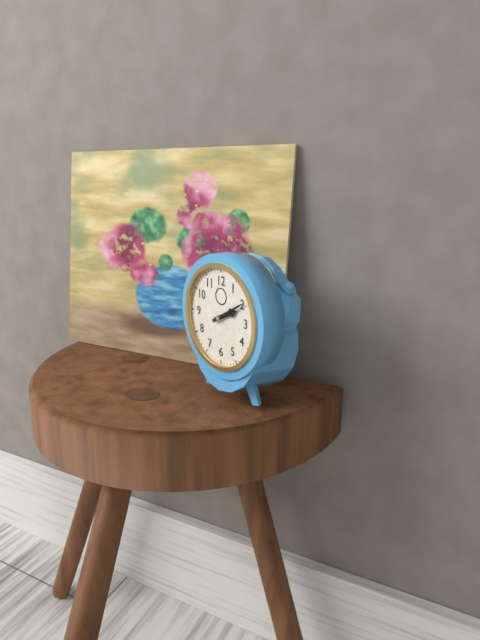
2:10
